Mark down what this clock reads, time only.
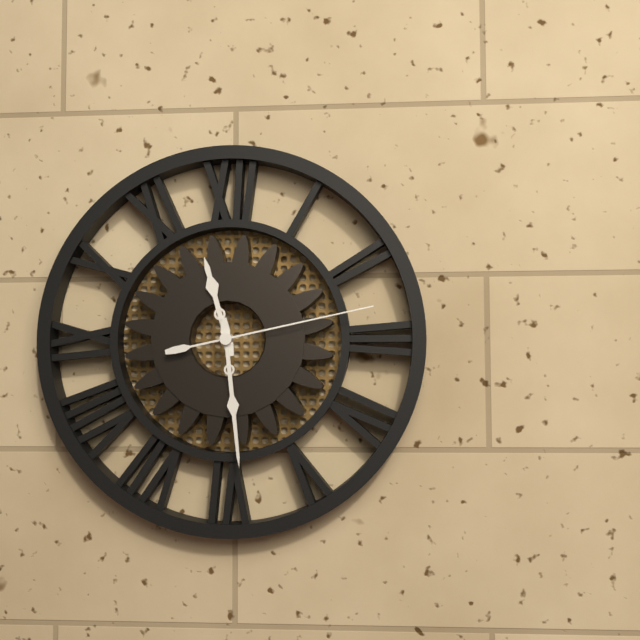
11:29:13
